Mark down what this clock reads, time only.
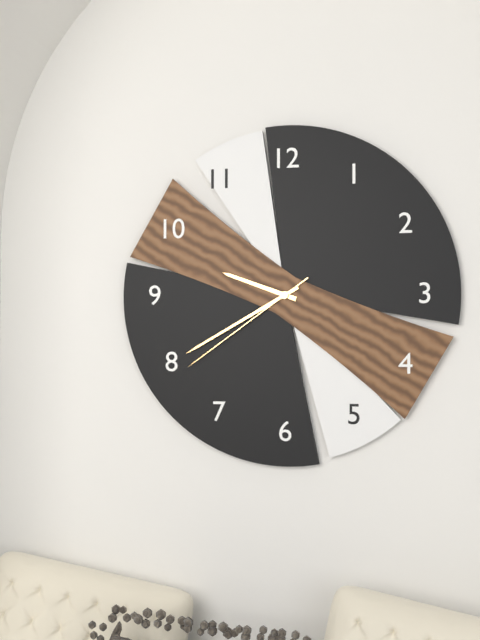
9:40:39
